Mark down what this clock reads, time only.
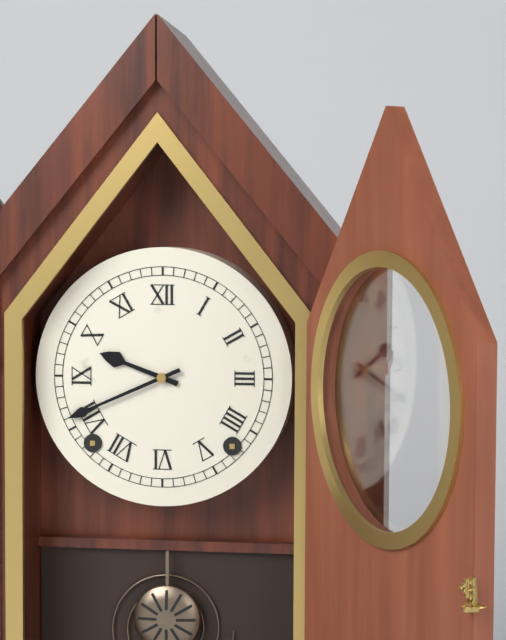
9:41
